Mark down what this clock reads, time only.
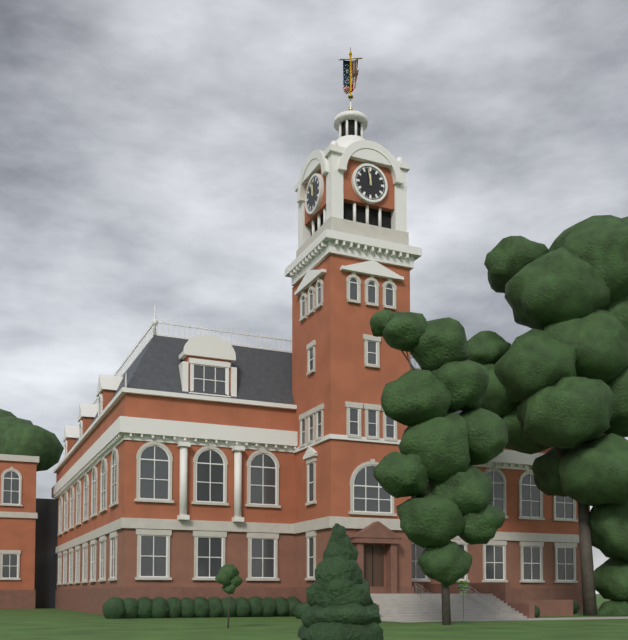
11:58
